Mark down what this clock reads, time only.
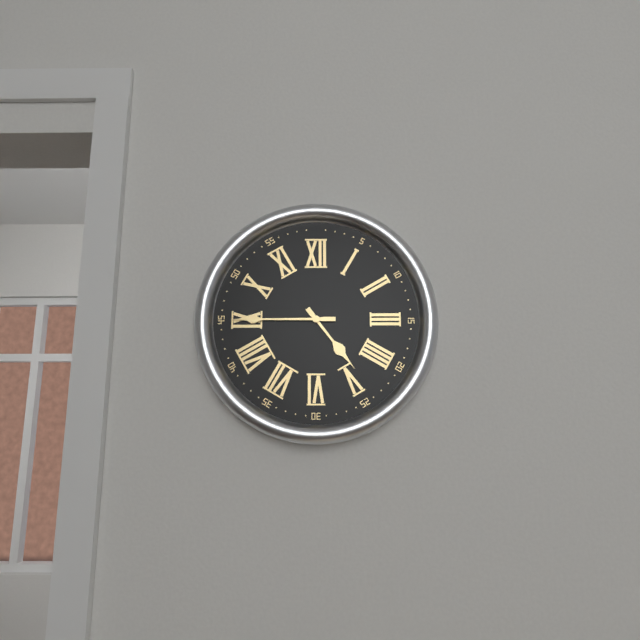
4:45
